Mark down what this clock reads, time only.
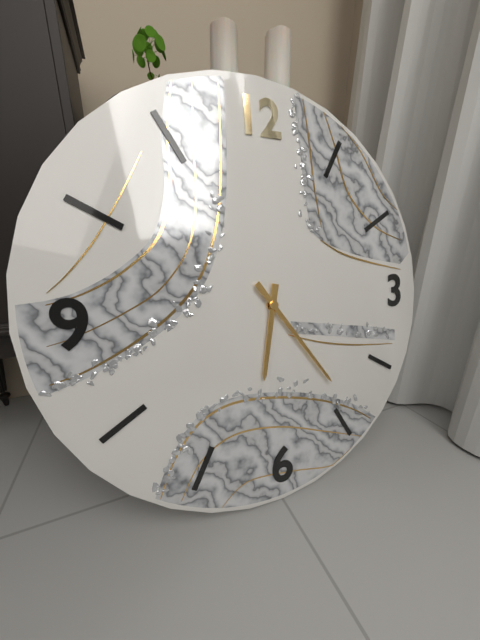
6:24
